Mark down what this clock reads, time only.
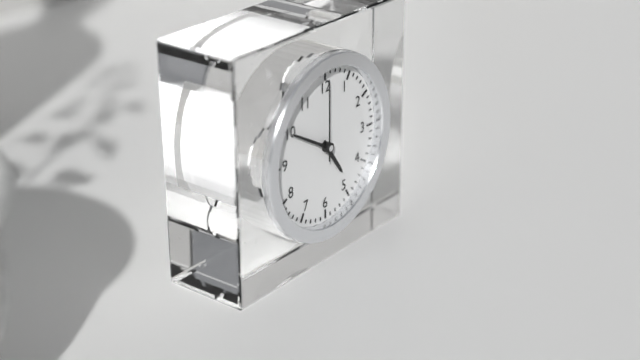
4:50:00
